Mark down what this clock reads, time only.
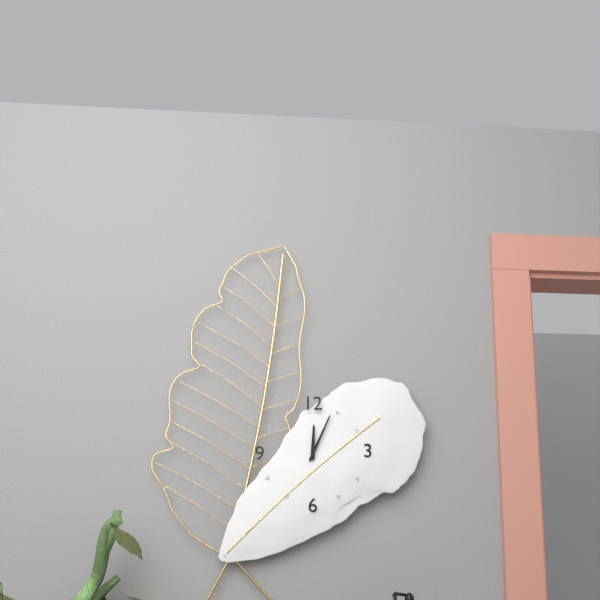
12:04
